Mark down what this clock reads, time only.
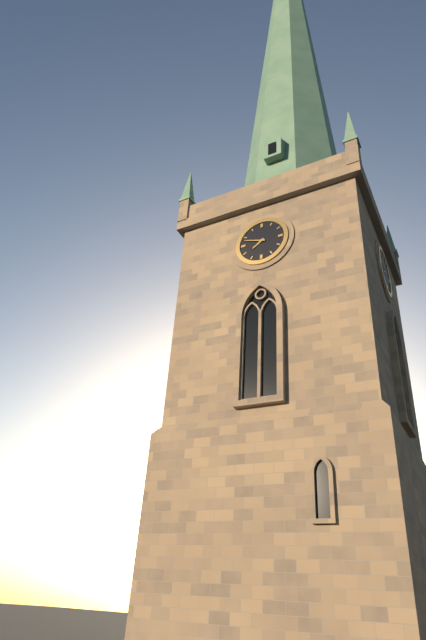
7:48
